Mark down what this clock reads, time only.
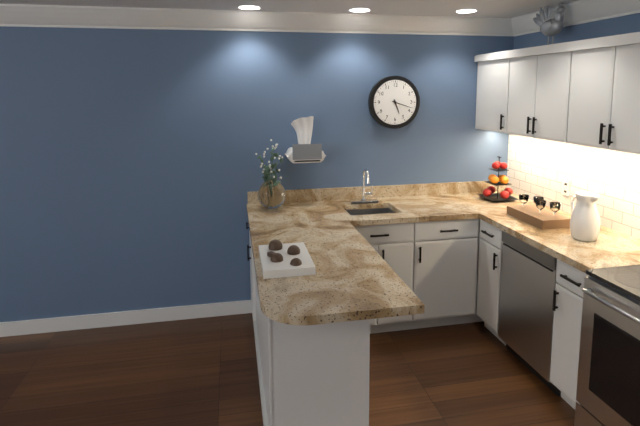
5:18
